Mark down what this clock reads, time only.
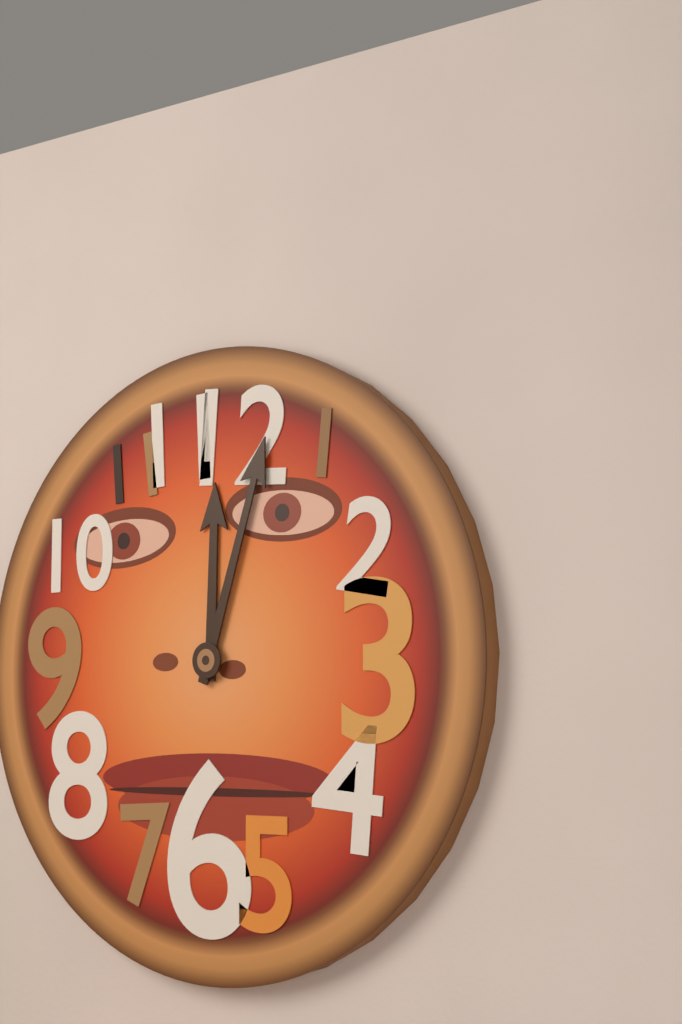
12:03
